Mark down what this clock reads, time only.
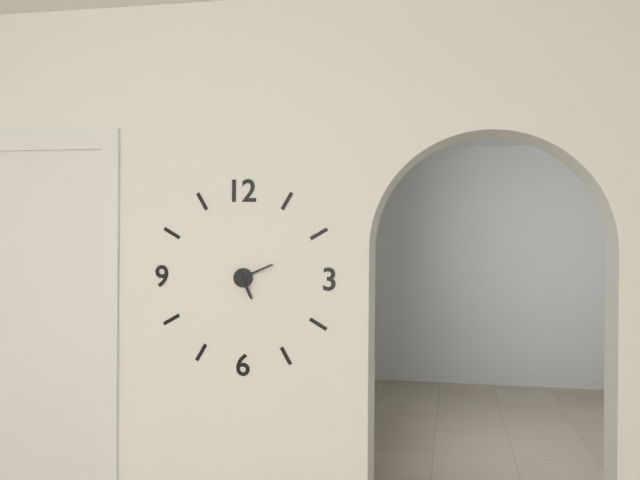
5:11
